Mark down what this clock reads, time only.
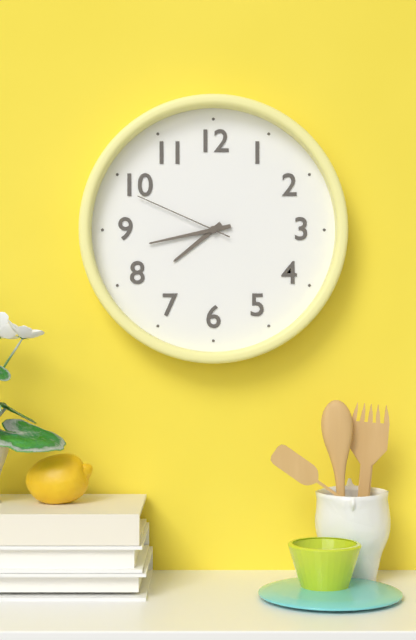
7:43:49
